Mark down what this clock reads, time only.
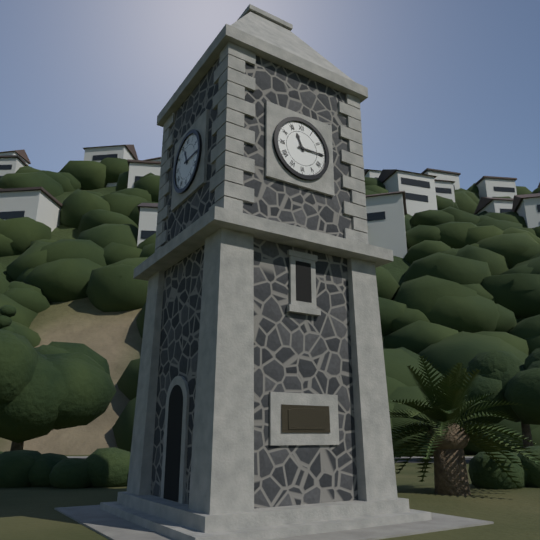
11:15
